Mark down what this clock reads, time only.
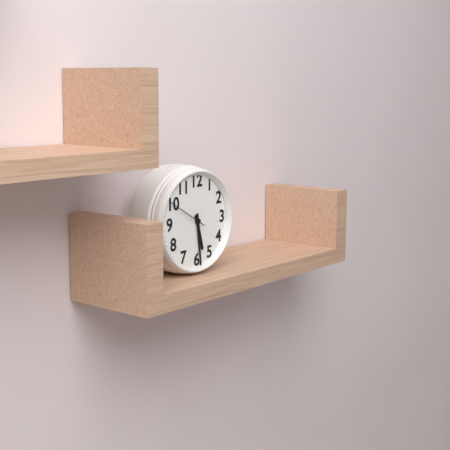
5:29
